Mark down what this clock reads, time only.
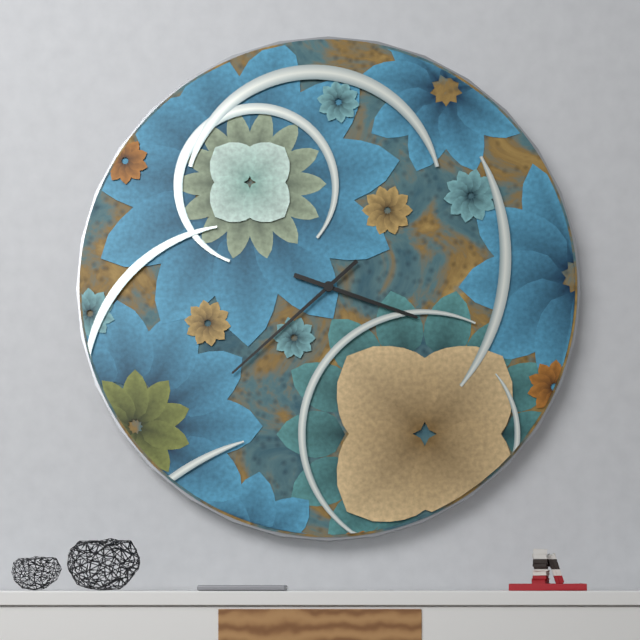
3:38
